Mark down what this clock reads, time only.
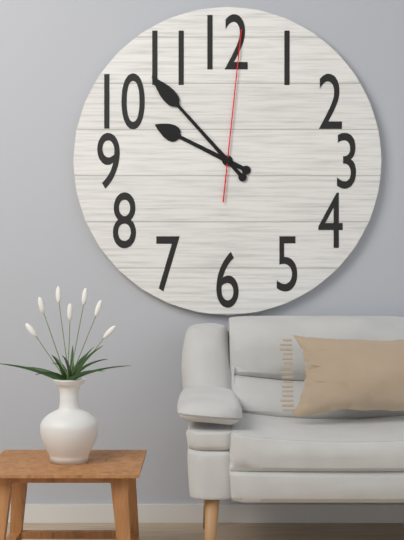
9:53:01
